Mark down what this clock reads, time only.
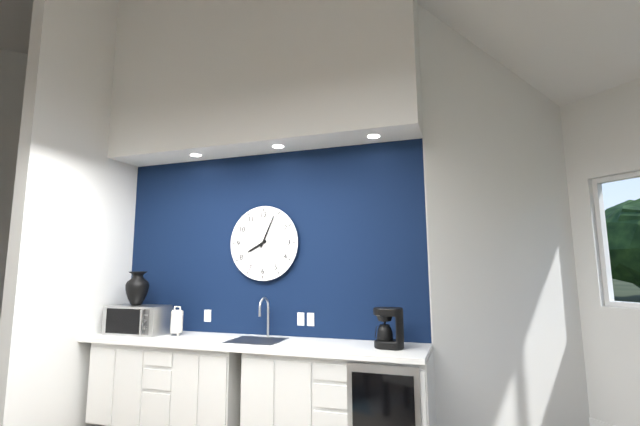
8:04
